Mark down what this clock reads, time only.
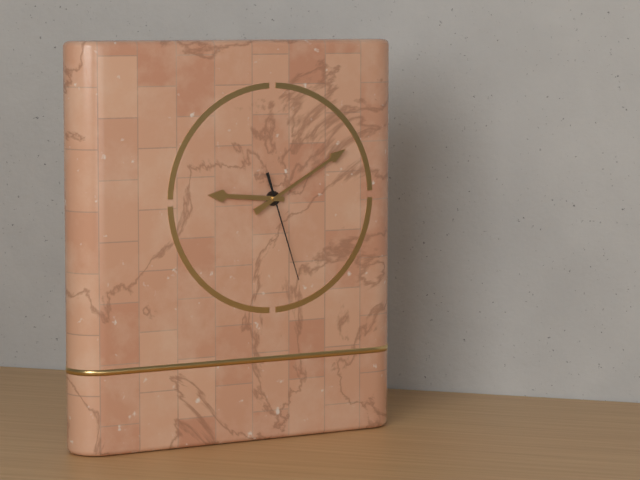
9:10:27
